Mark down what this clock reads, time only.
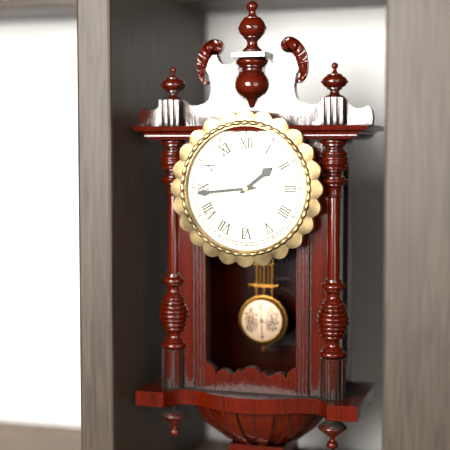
1:44
